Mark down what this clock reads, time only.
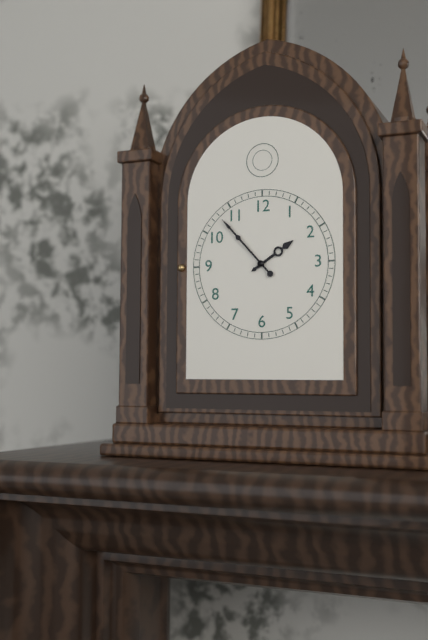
1:53
